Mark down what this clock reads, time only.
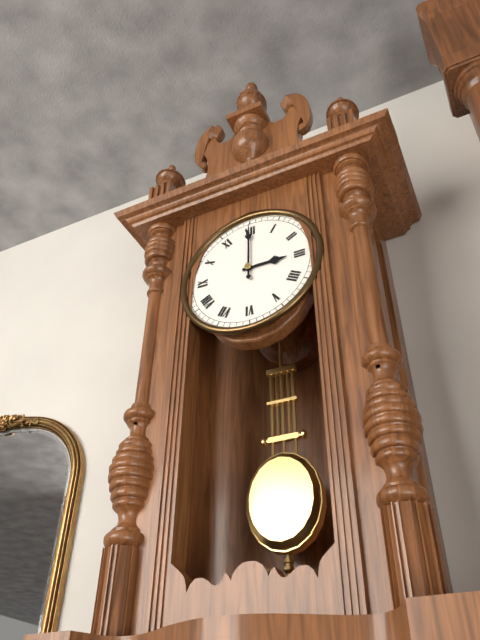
3:00
